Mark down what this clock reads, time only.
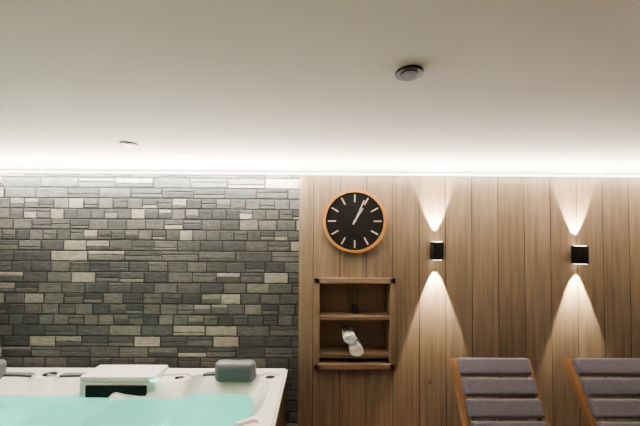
1:04
